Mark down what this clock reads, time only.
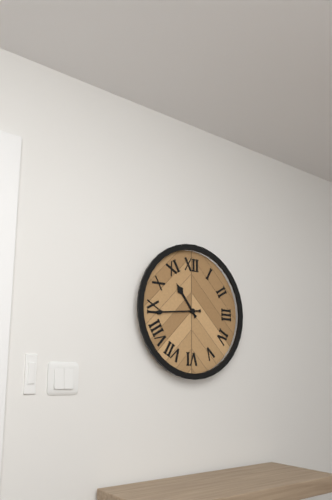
10:44
